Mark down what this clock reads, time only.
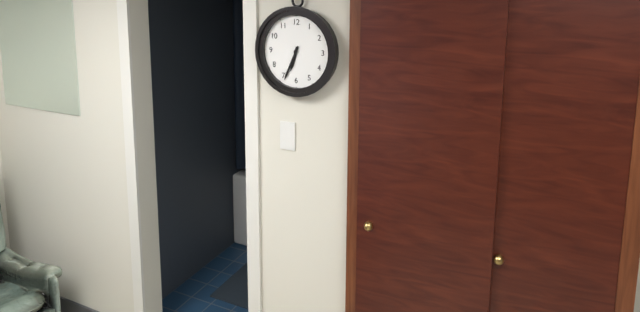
6:34
